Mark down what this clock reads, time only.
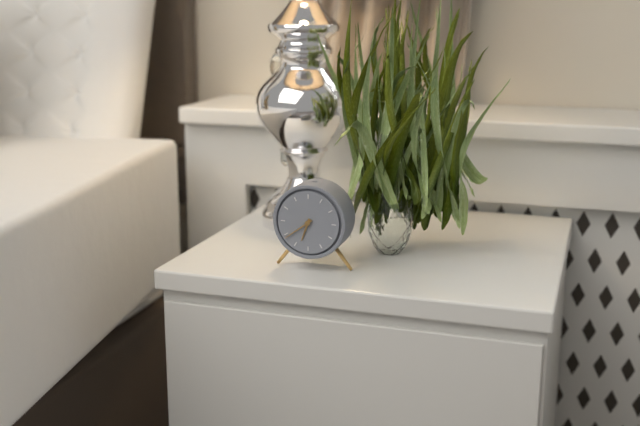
6:39
